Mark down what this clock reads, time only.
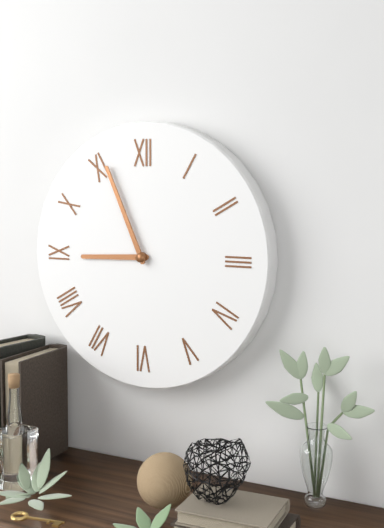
8:56
